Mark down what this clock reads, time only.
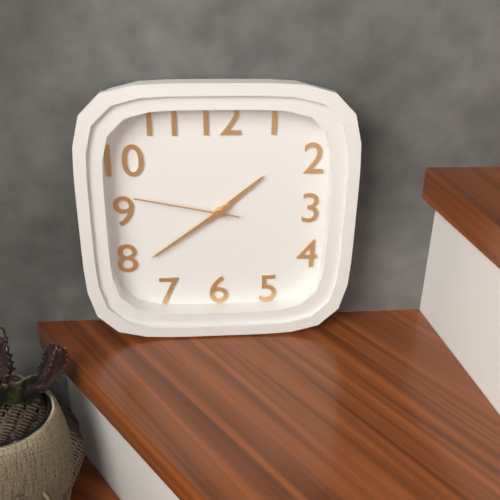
1:39:47
